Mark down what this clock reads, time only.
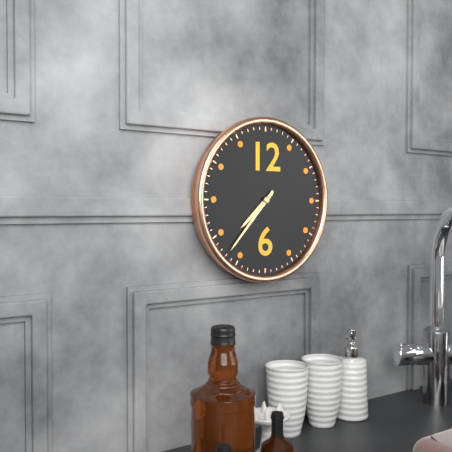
7:37
